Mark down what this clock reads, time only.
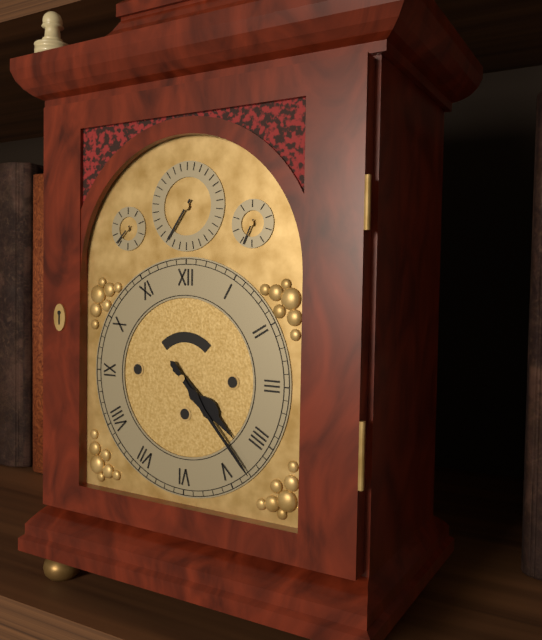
4:23
